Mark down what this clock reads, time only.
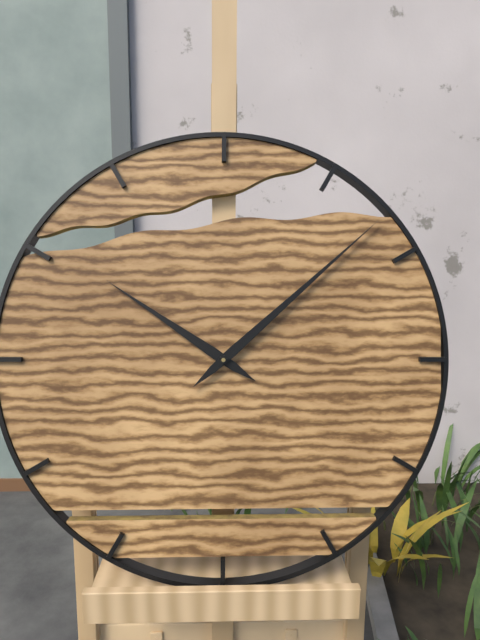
10:08
